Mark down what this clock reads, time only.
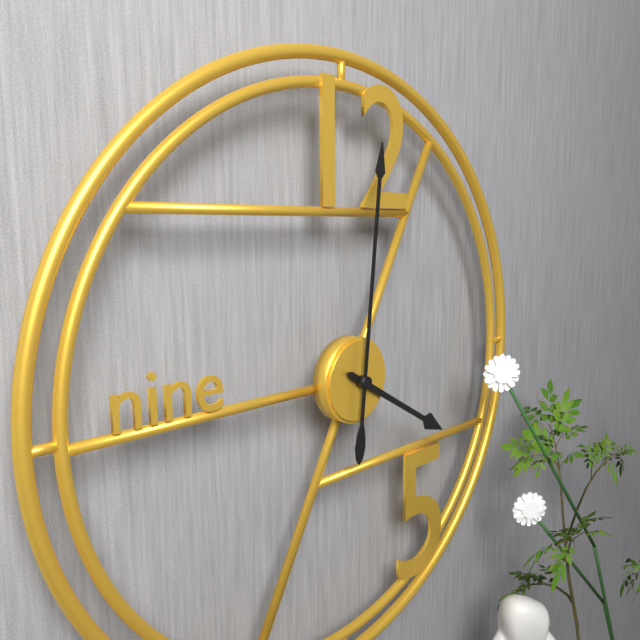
4:01
